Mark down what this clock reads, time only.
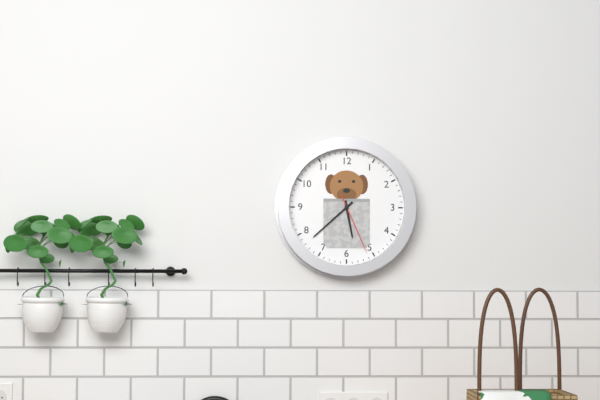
5:38:26
